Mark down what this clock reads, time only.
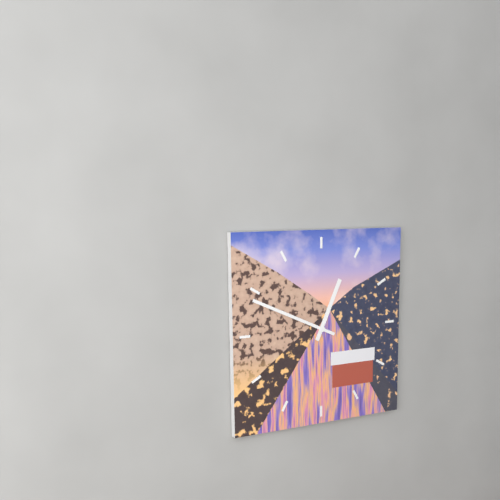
12:49
